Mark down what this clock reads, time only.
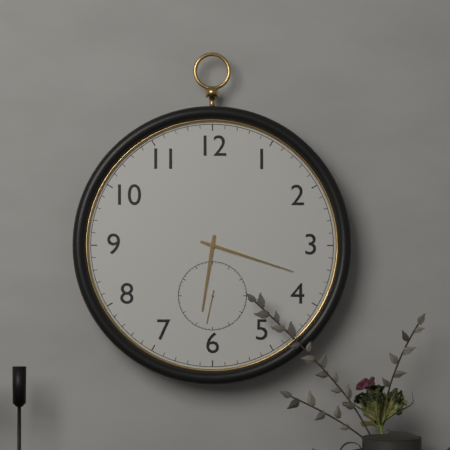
6:18
